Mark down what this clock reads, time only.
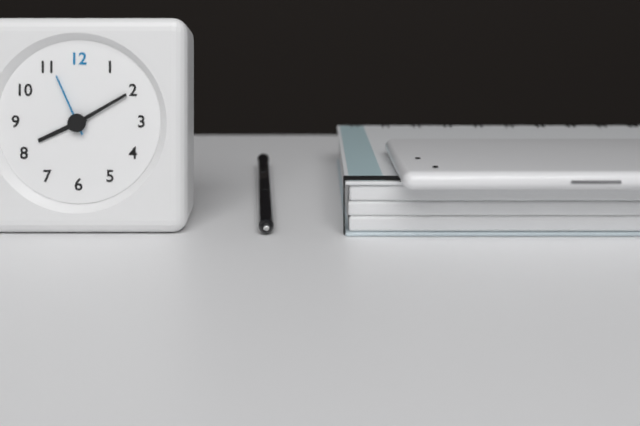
8:10:56
